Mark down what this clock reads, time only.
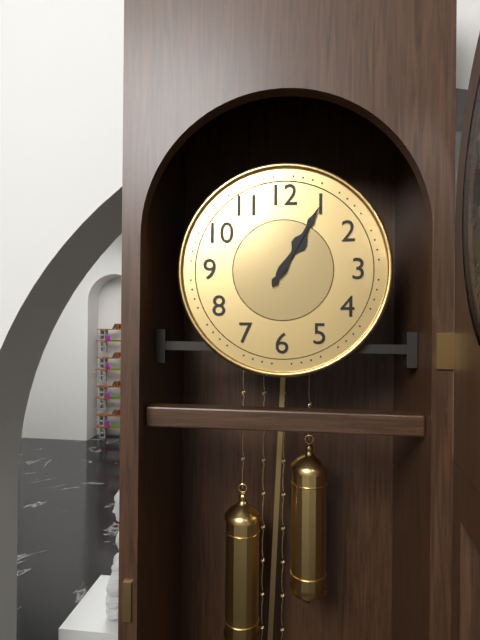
1:05
